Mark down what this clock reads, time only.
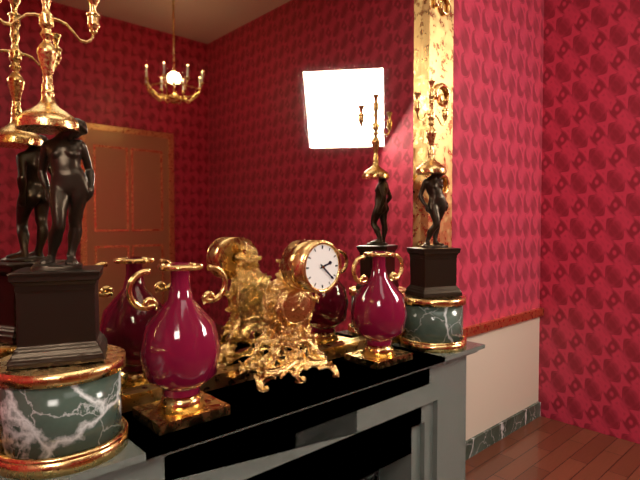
2:22
